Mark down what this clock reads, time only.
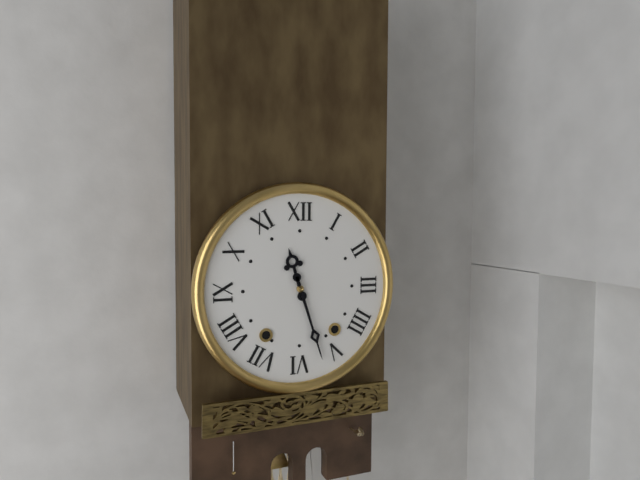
11:27
